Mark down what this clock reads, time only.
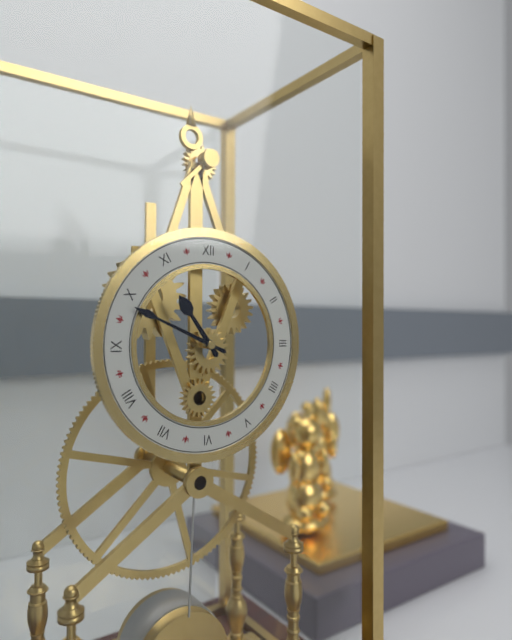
10:49
